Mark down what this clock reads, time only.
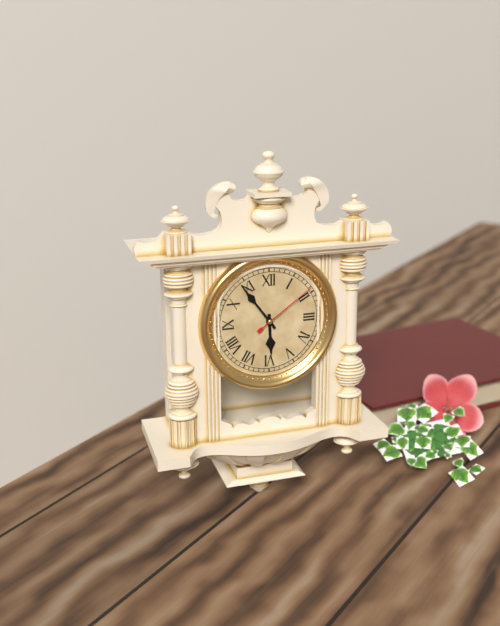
5:54:09
